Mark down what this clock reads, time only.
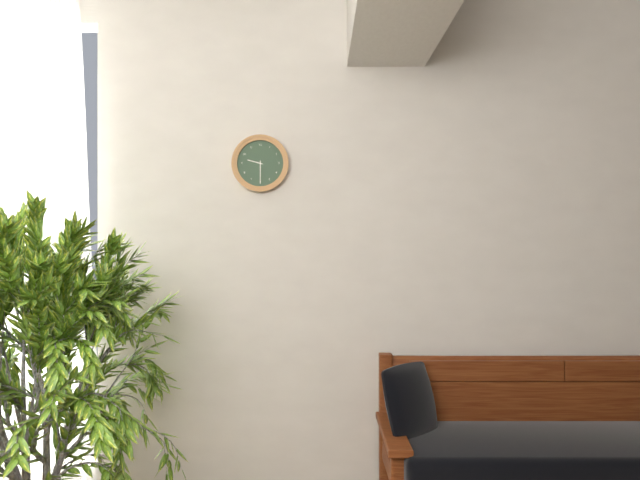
9:30
